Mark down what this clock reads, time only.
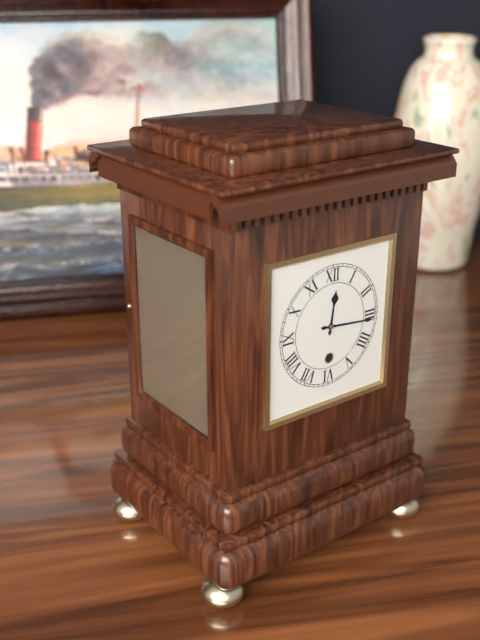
12:16
